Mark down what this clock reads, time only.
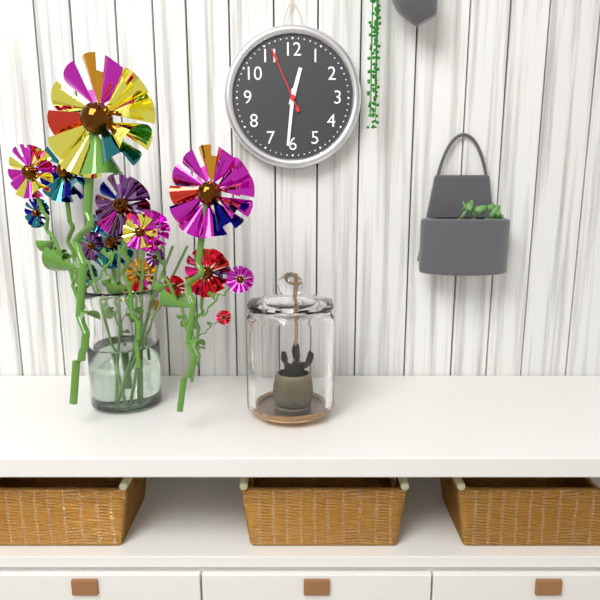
12:31:56
